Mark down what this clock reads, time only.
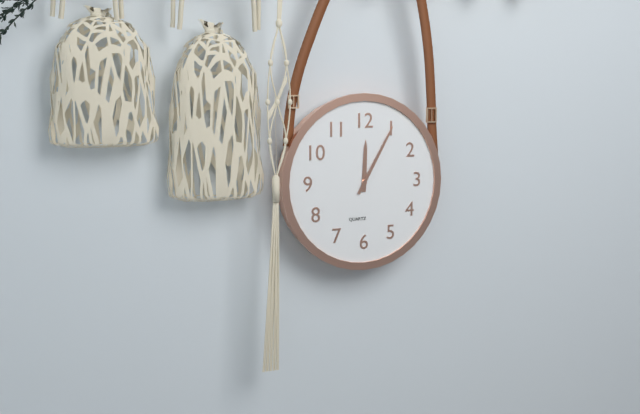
12:05
